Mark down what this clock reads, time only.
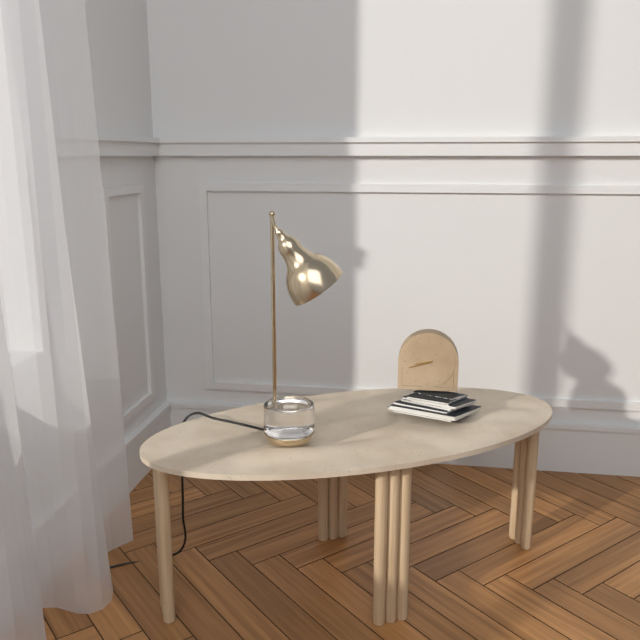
8:42
